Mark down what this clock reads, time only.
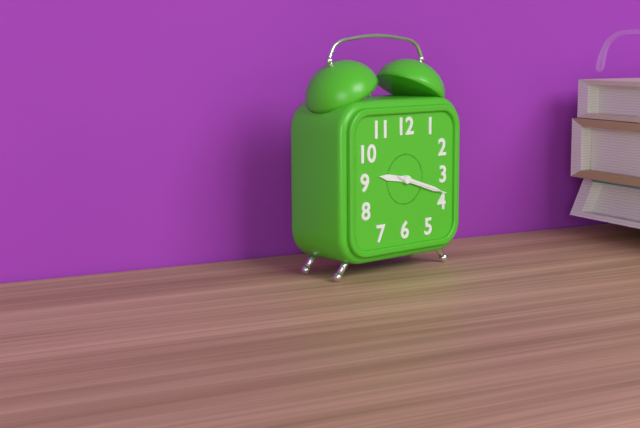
9:18:18
